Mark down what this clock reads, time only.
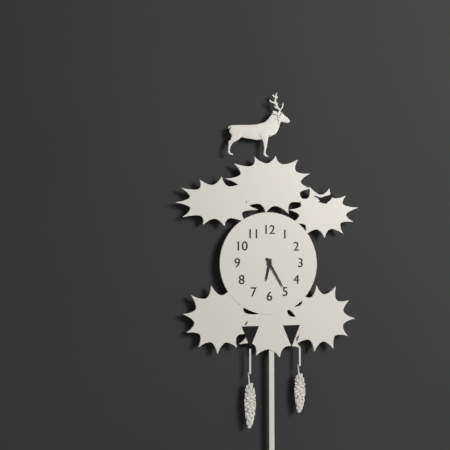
6:25
